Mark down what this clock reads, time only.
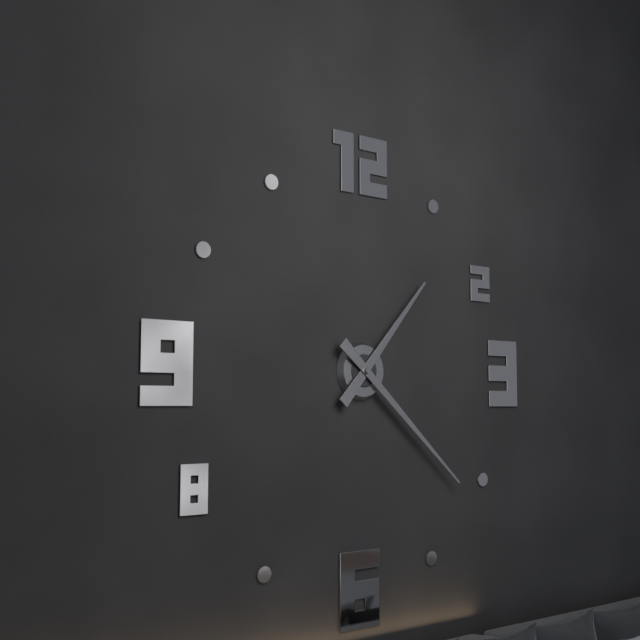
1:22
